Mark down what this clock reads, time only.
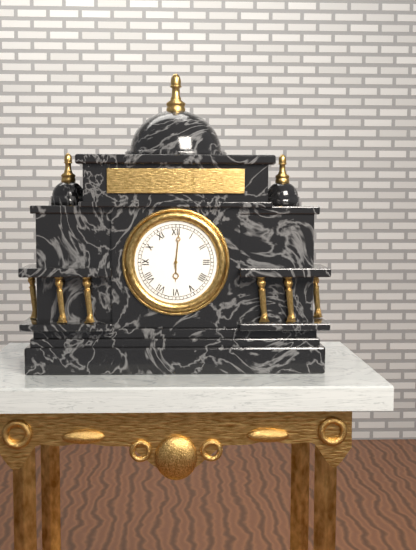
6:01
